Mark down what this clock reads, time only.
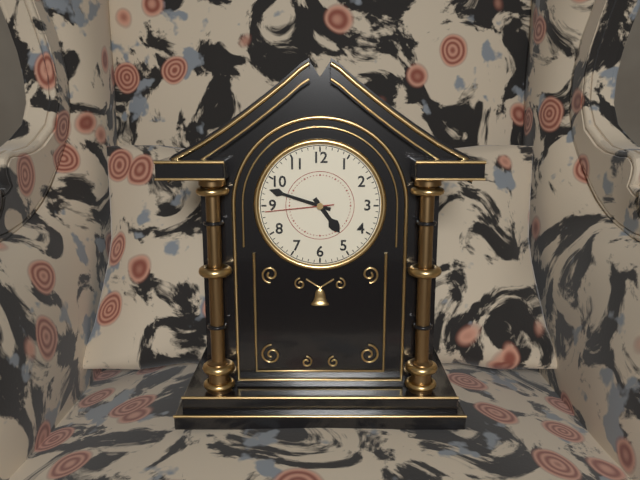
4:48:44
